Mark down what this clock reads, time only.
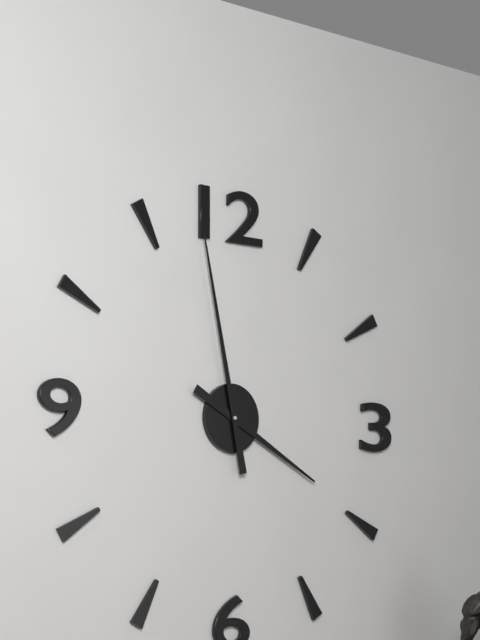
3:58
